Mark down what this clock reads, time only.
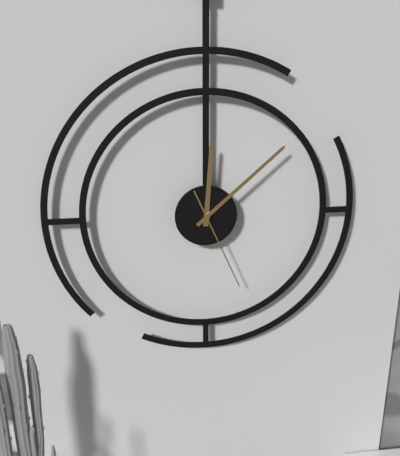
12:08:26
